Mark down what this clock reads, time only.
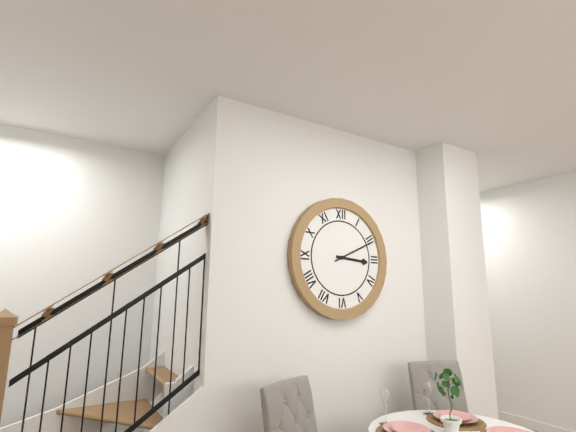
3:11
